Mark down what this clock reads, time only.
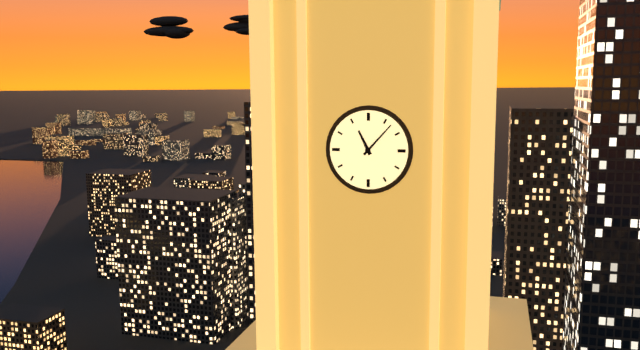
11:07
